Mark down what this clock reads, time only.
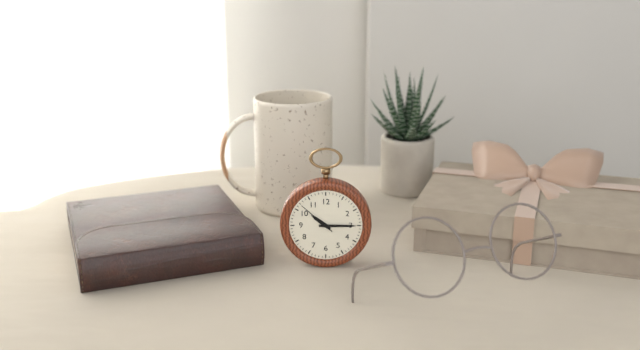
10:15
